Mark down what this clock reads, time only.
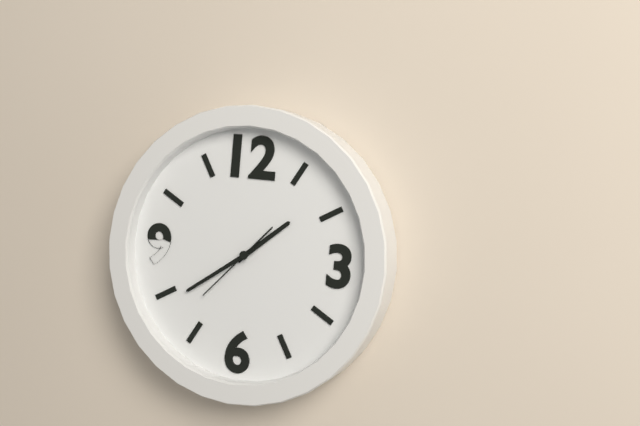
1:39:37
